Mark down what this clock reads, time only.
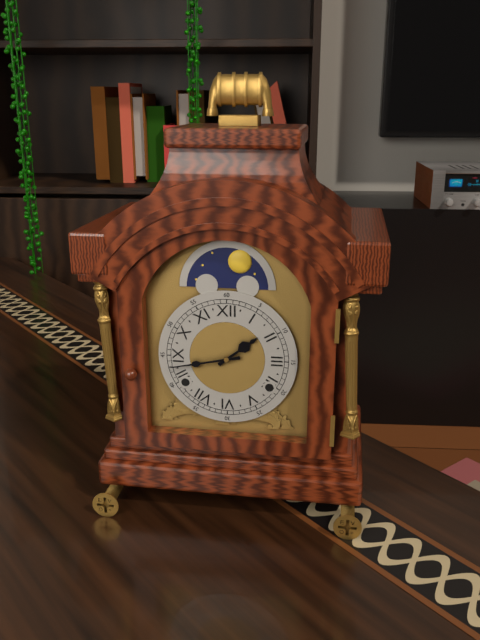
1:43
